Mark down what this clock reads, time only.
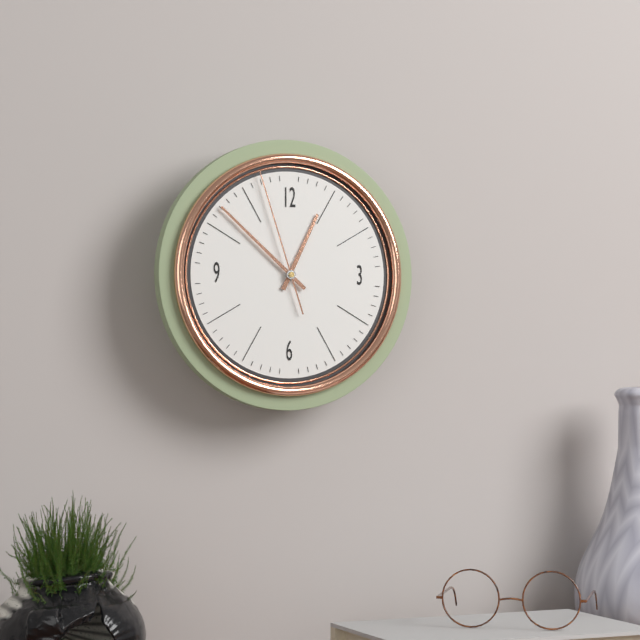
12:52:57
